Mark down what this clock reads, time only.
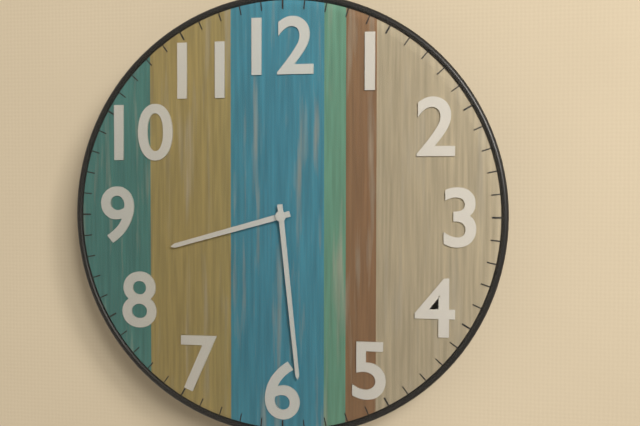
8:29
